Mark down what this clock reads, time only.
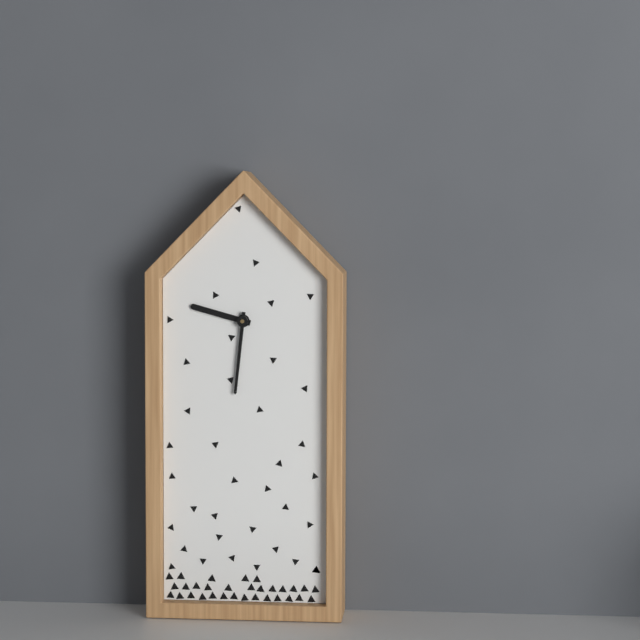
9:31
